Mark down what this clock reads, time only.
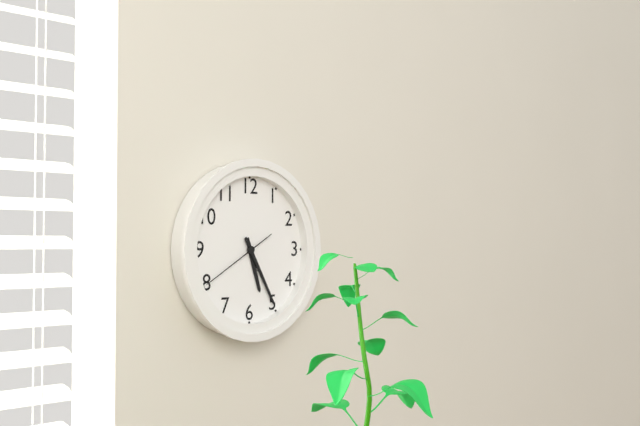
5:25:40
